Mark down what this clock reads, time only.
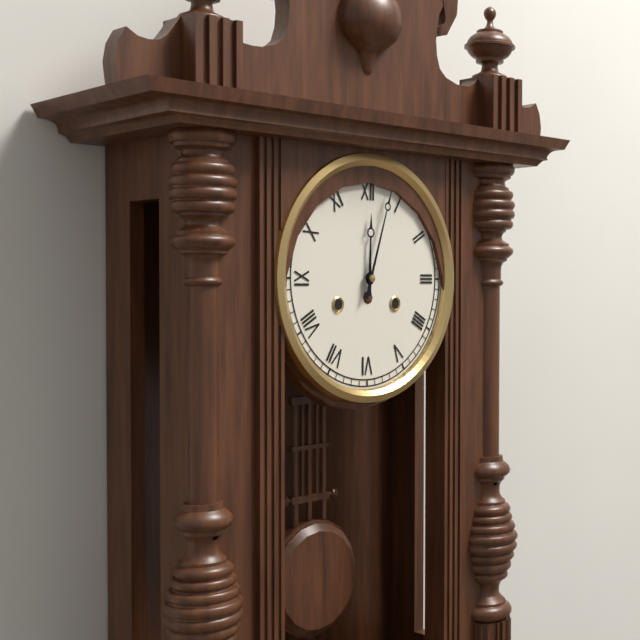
12:03
